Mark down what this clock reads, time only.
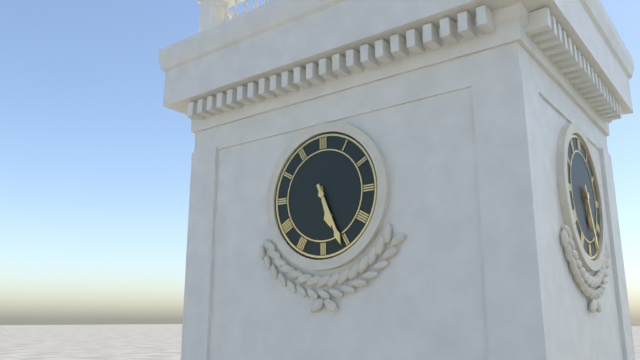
5:26
